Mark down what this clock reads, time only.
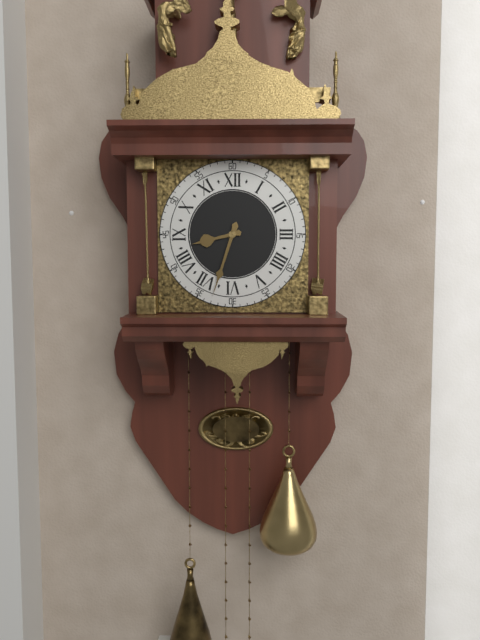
8:33
